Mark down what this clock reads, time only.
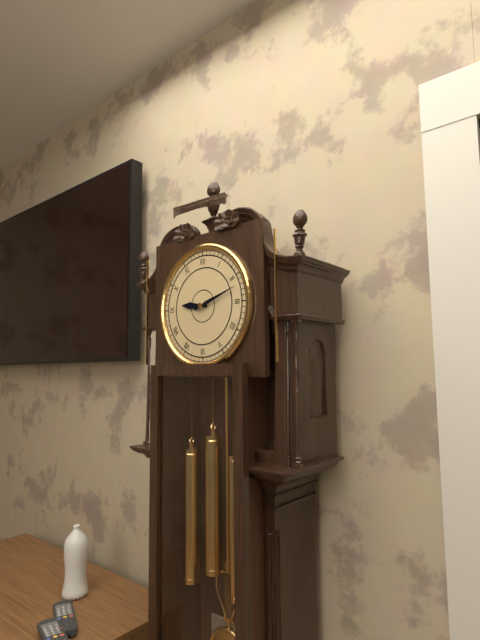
9:12
